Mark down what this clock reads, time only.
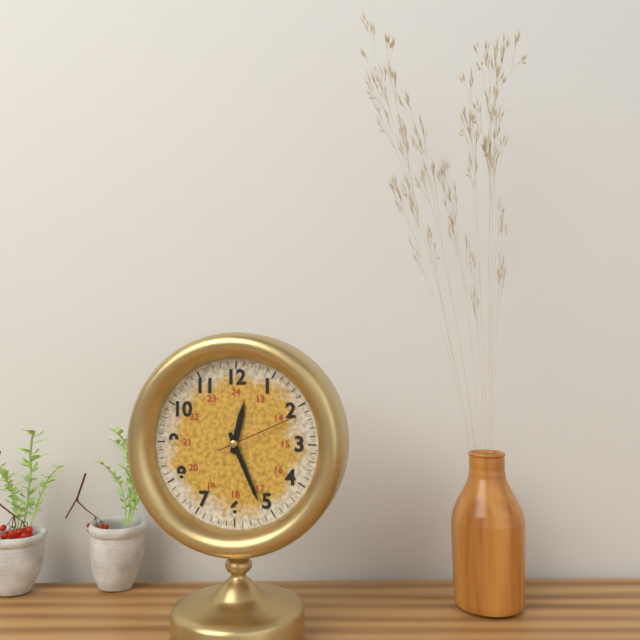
12:26:11
